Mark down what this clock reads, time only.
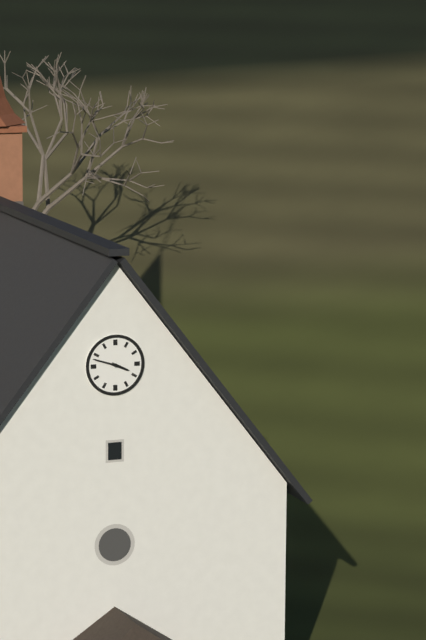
3:48
